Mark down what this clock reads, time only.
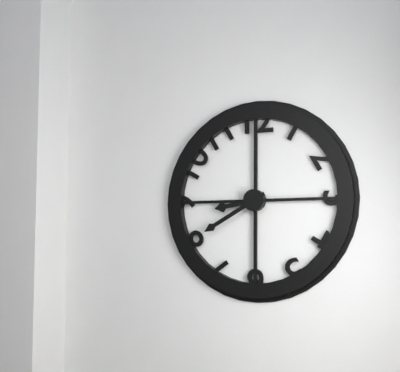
8:40
